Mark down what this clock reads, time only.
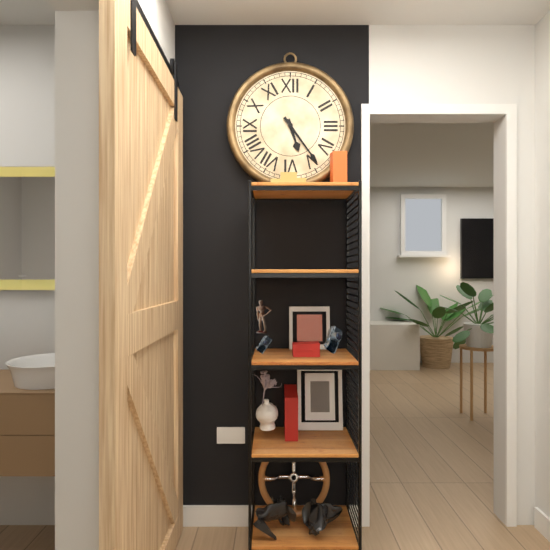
5:24
